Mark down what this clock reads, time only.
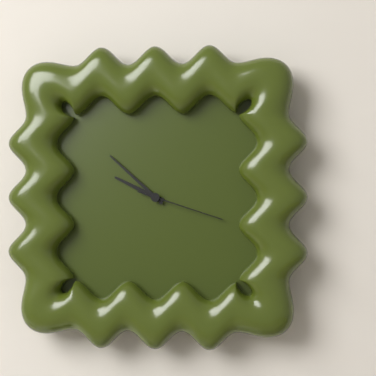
9:52:18
